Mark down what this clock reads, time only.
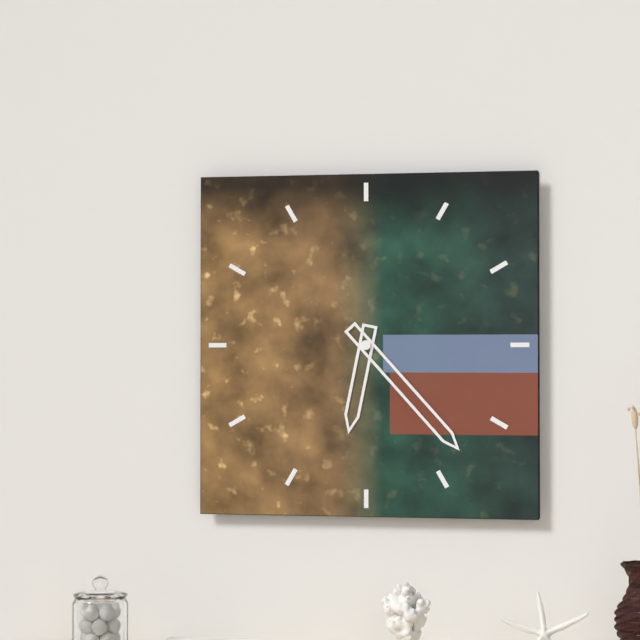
6:23
